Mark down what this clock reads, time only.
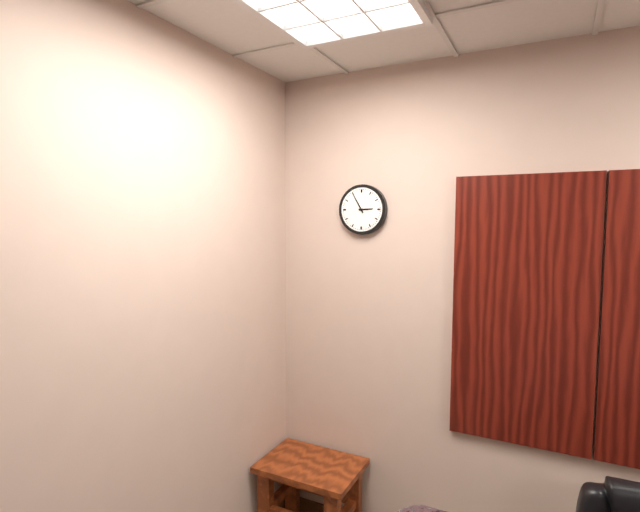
2:55
